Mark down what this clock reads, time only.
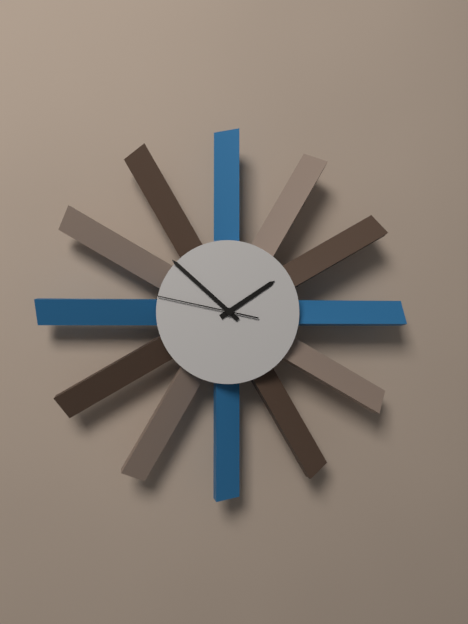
1:52:47
